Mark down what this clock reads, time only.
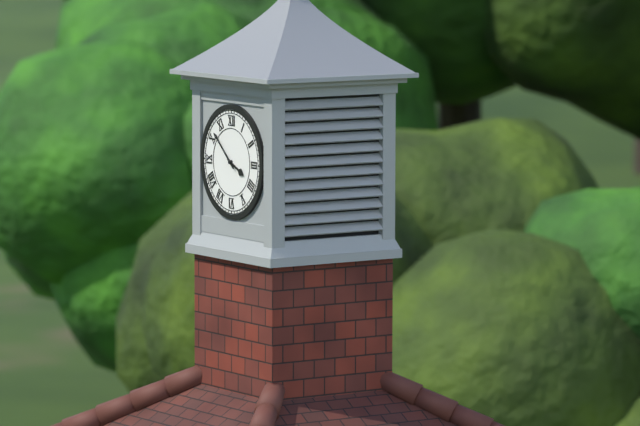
3:52
